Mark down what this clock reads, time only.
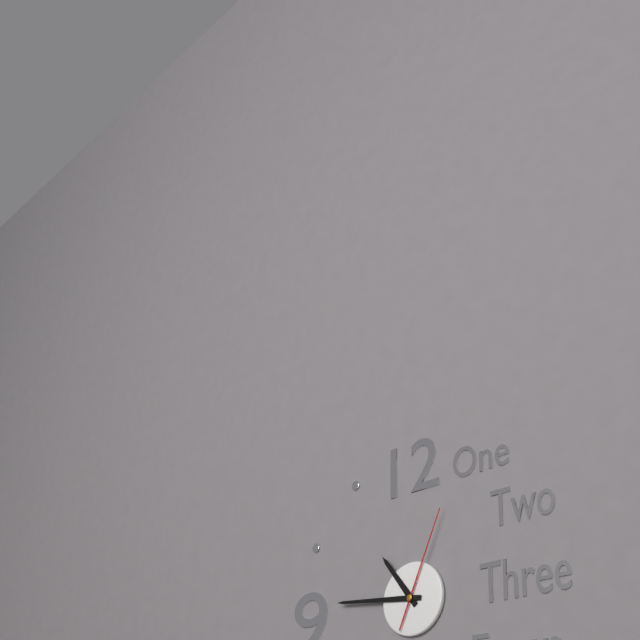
10:46:04
